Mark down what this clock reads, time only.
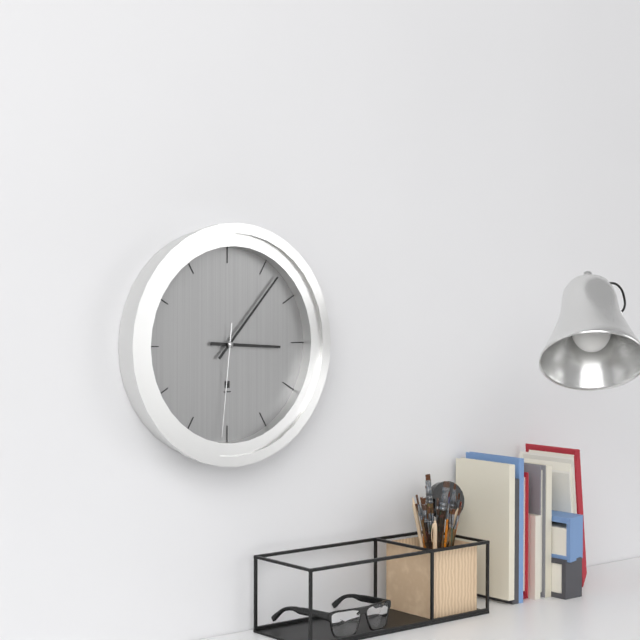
3:07:31
